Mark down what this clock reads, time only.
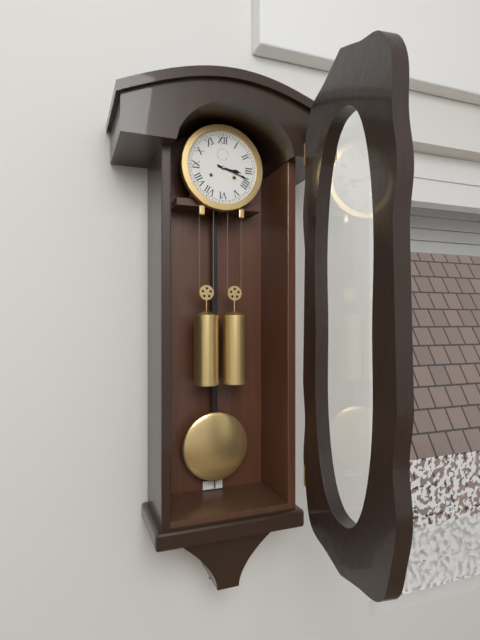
3:18
